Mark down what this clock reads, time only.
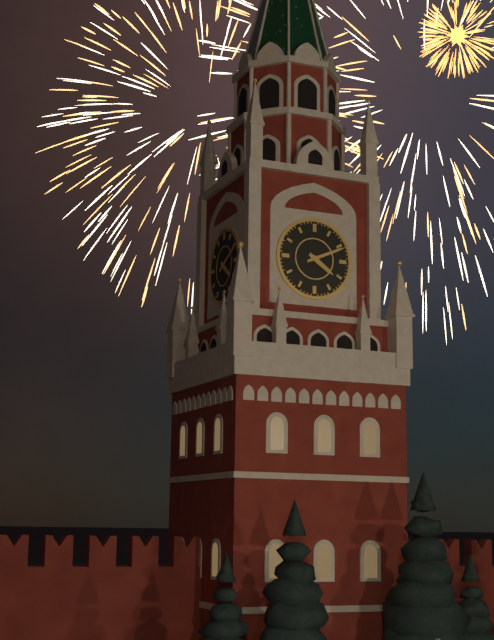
4:11
